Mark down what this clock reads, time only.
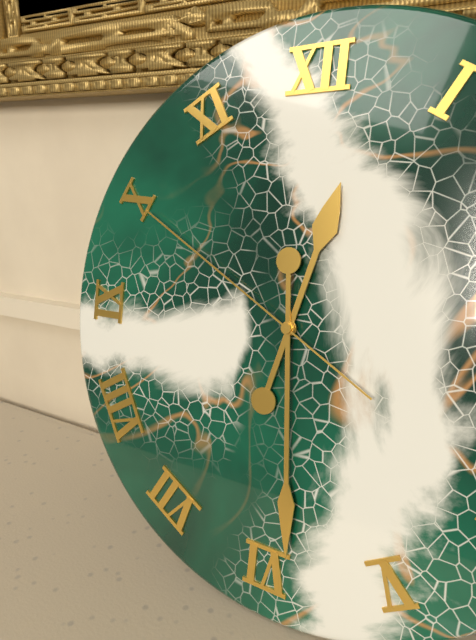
12:29:50
